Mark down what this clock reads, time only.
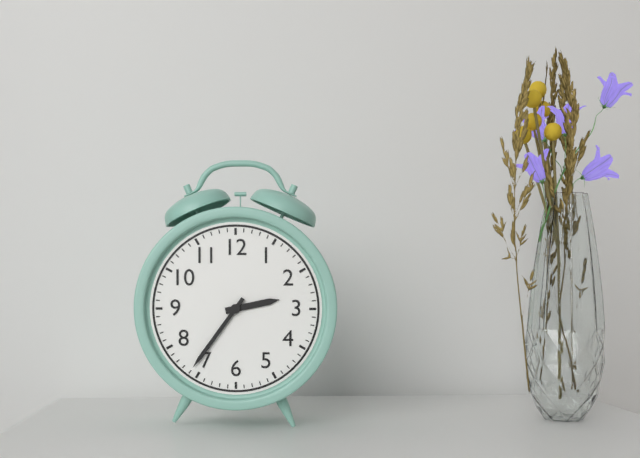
2:36
